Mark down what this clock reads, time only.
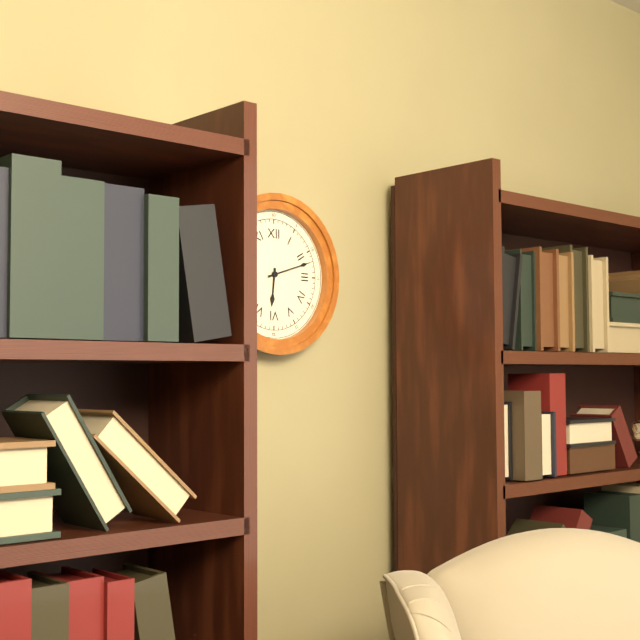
6:12
